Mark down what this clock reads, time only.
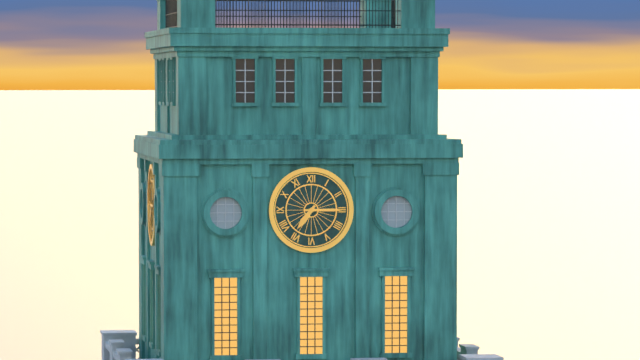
7:15
